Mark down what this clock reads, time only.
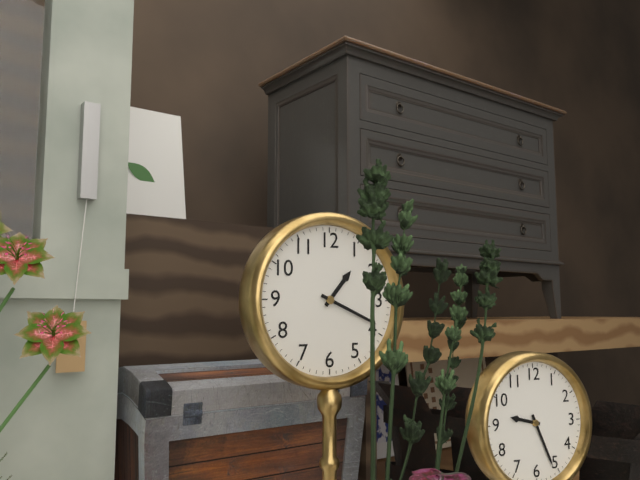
1:19
